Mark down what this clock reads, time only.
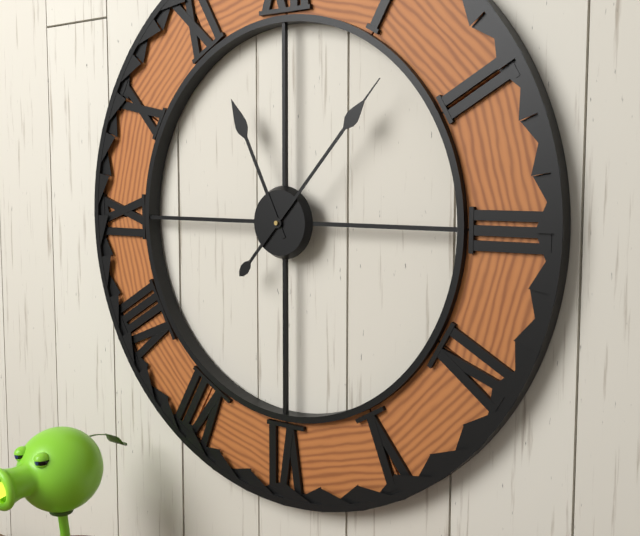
11:07
